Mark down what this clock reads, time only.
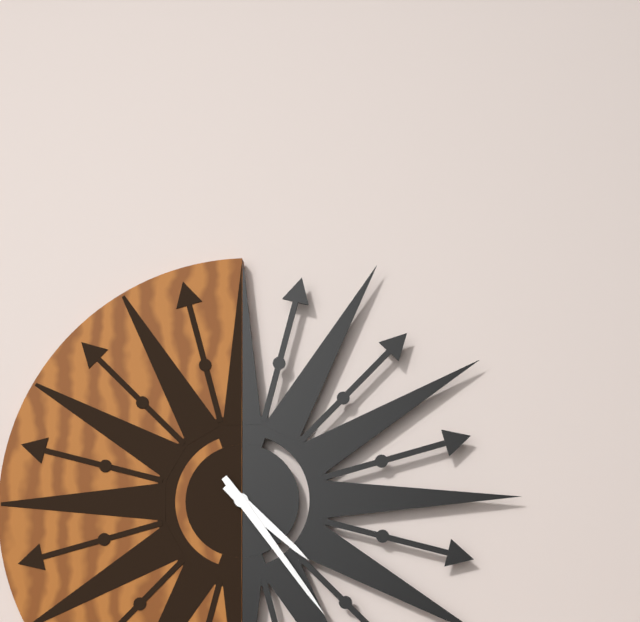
4:24
